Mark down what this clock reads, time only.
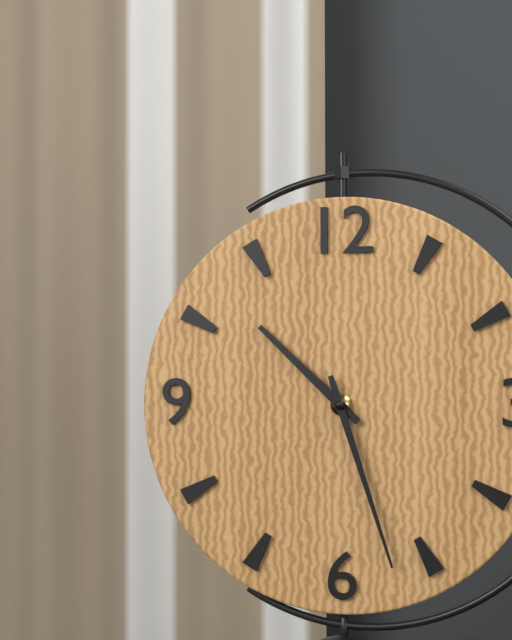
10:27
